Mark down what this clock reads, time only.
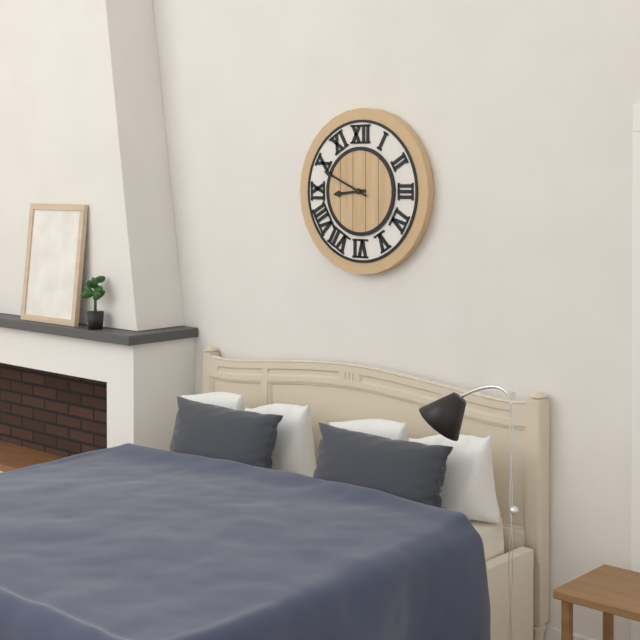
8:49
